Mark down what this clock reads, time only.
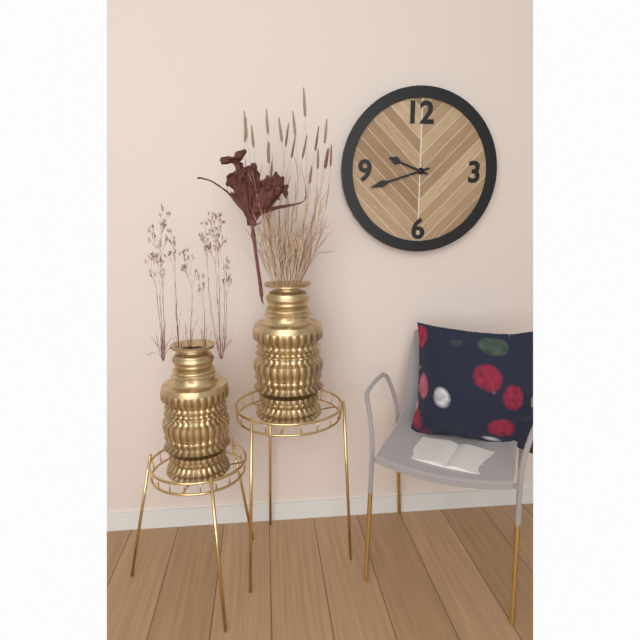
9:42
